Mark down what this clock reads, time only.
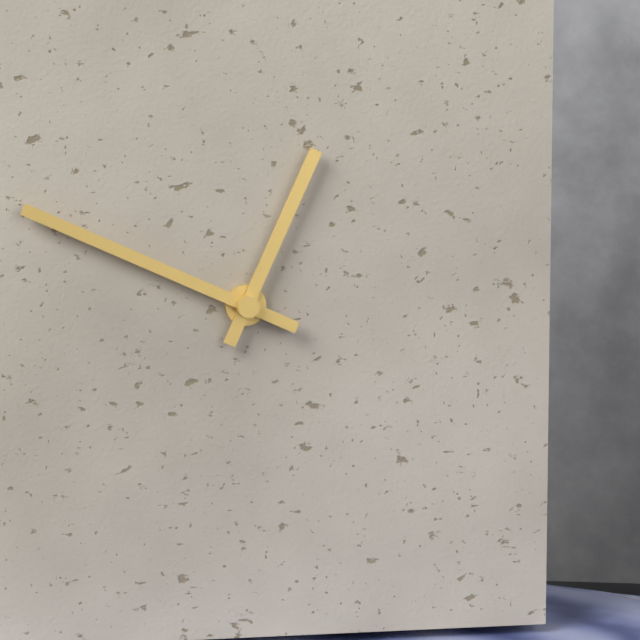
12:49
